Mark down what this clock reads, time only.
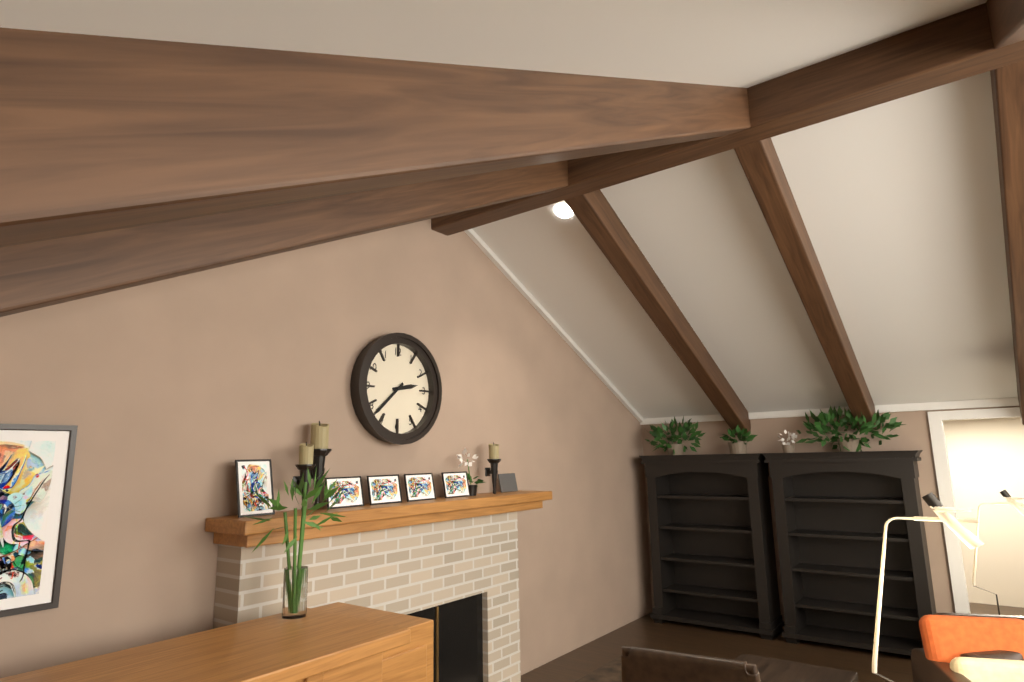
2:38
